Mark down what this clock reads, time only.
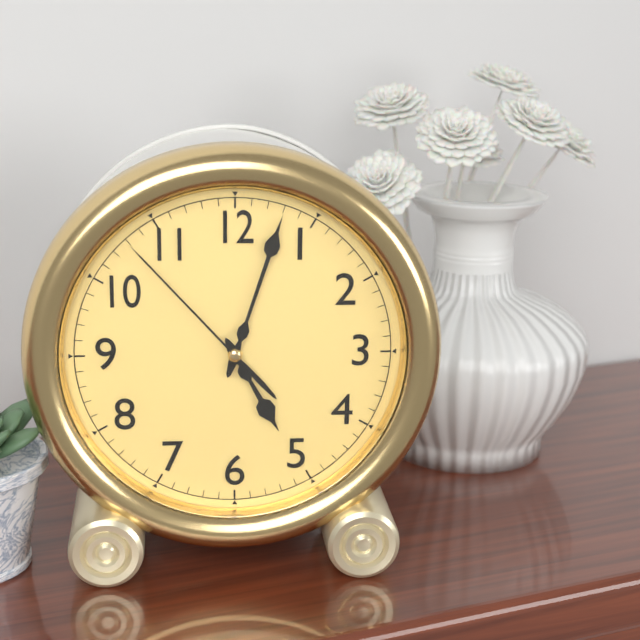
5:03:53
